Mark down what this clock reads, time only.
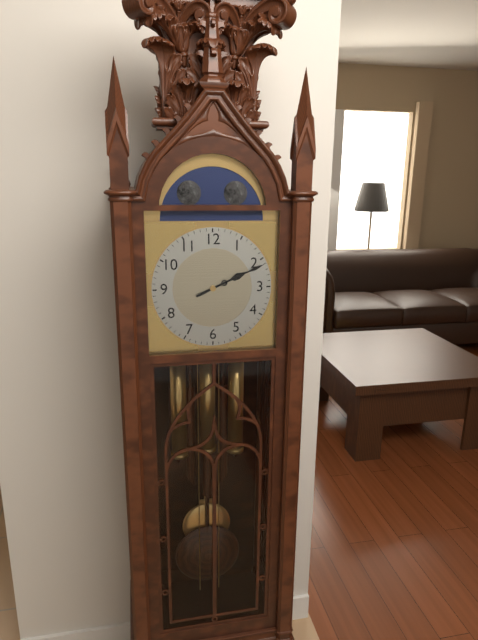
2:11
